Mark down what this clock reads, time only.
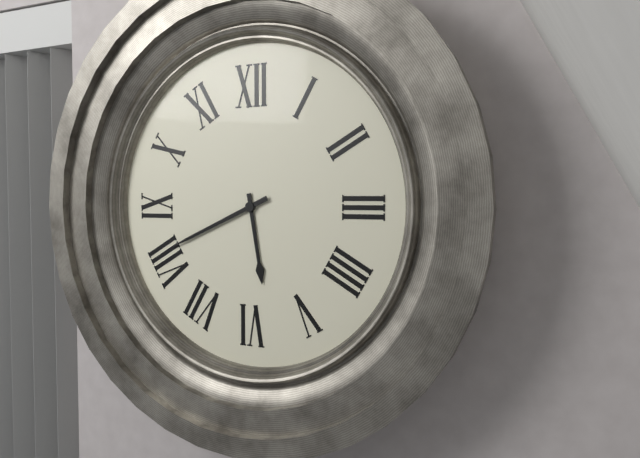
5:41
